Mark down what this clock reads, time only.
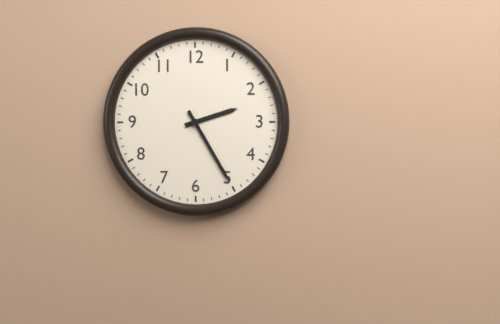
2:25
